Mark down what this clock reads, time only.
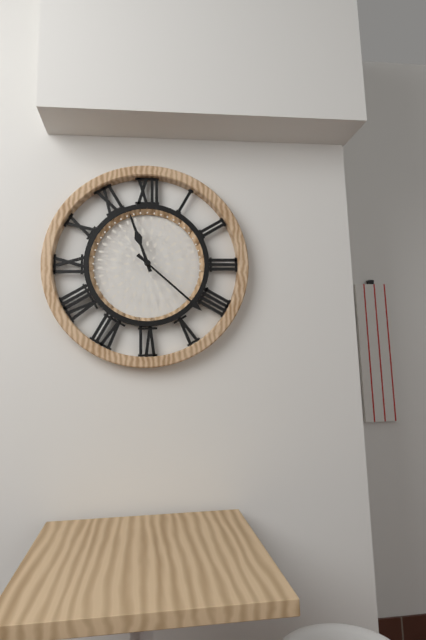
11:22
